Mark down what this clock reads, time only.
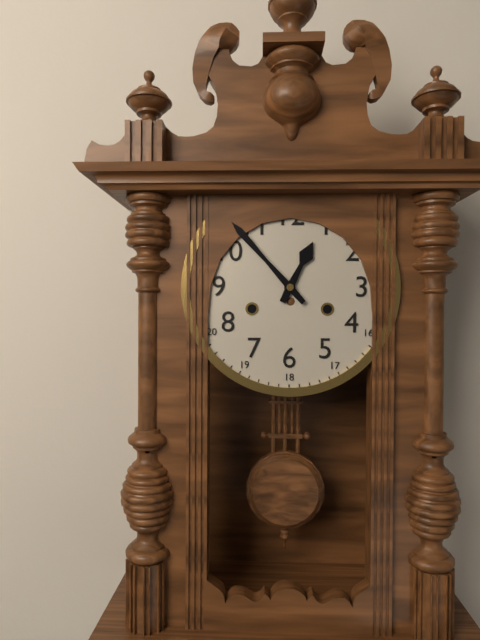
12:53
